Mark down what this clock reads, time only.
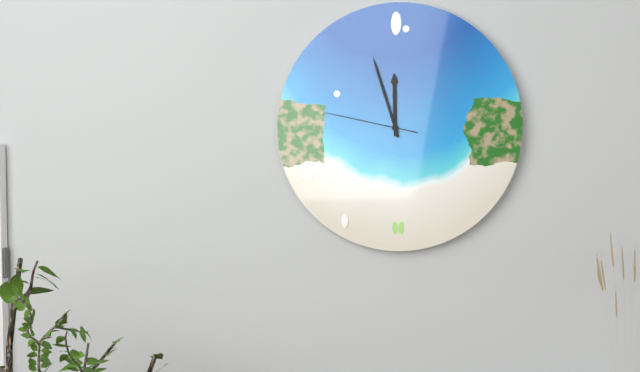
11:57:47
